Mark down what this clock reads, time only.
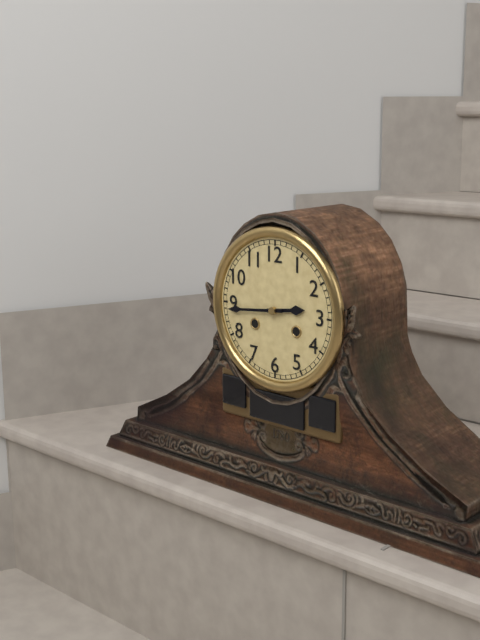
2:44
